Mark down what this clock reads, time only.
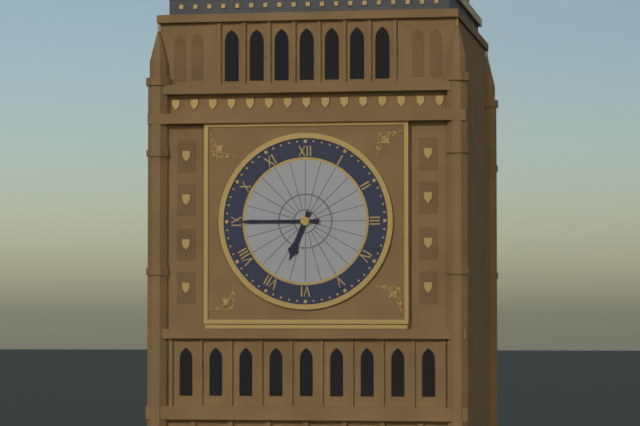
6:45
